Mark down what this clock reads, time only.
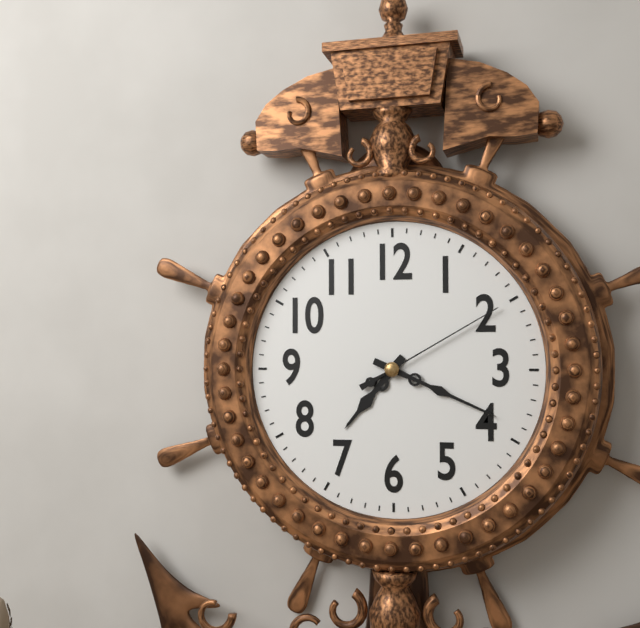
7:19:10
